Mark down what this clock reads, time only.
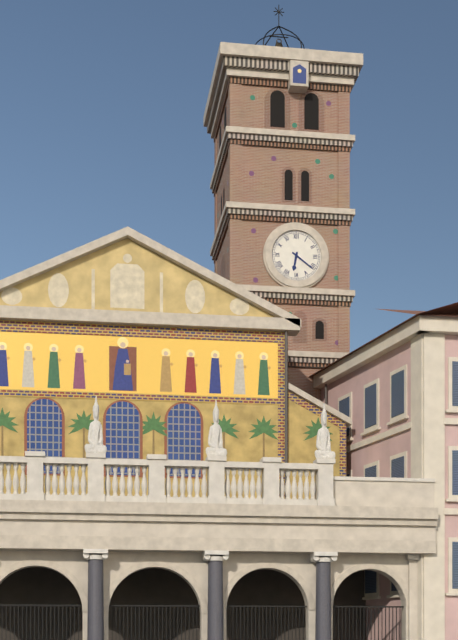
6:21
